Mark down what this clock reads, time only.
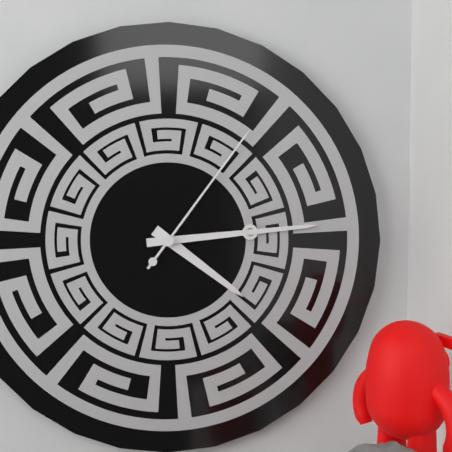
4:14:06
